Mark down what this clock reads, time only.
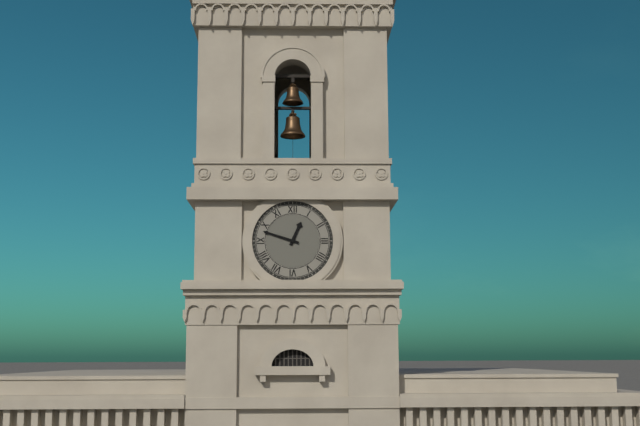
12:48
